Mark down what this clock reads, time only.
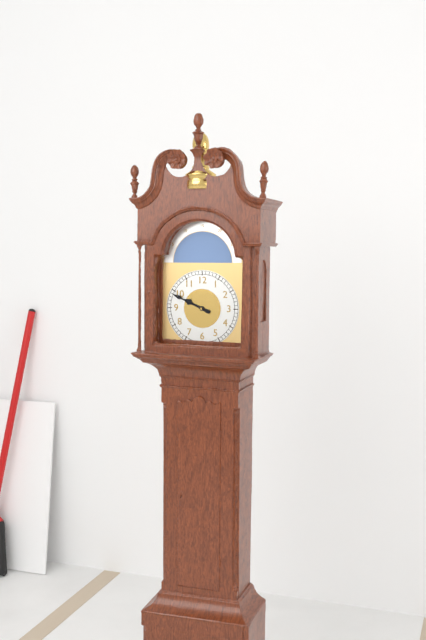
9:49
